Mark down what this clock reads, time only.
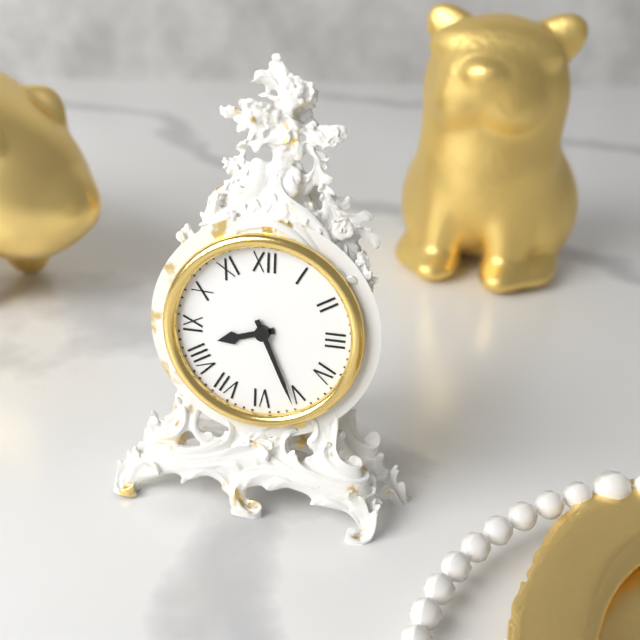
8:26
